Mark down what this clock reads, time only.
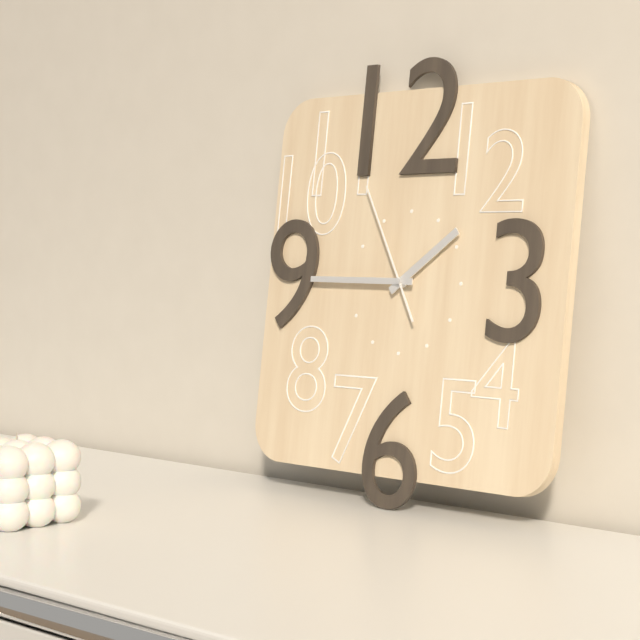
1:45:55
